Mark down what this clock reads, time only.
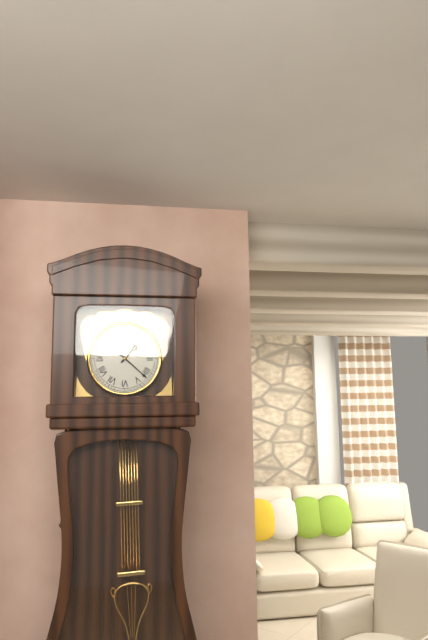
1:22
